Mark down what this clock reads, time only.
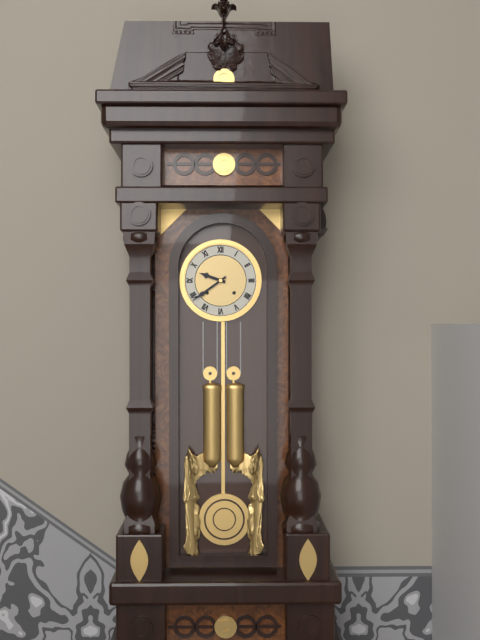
9:39
